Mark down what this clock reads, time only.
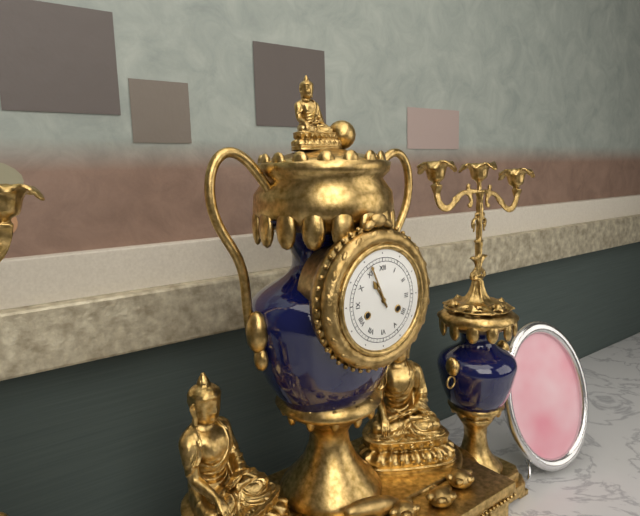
10:56
